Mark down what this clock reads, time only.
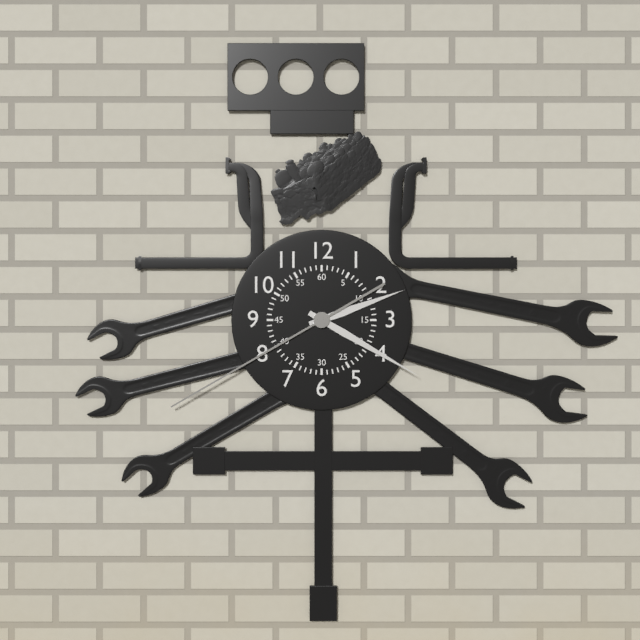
2:20:40
